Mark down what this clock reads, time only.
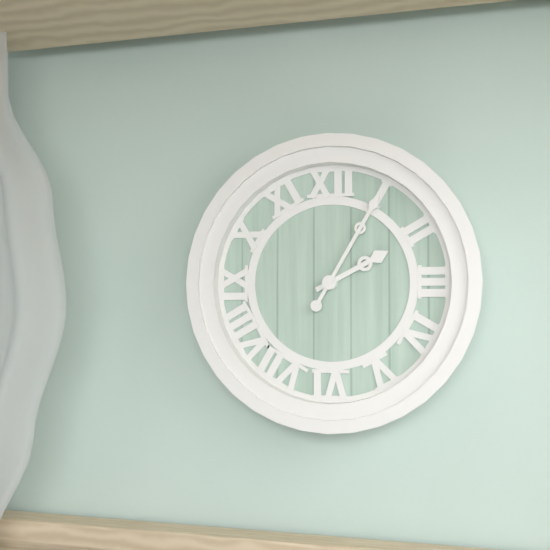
2:05
